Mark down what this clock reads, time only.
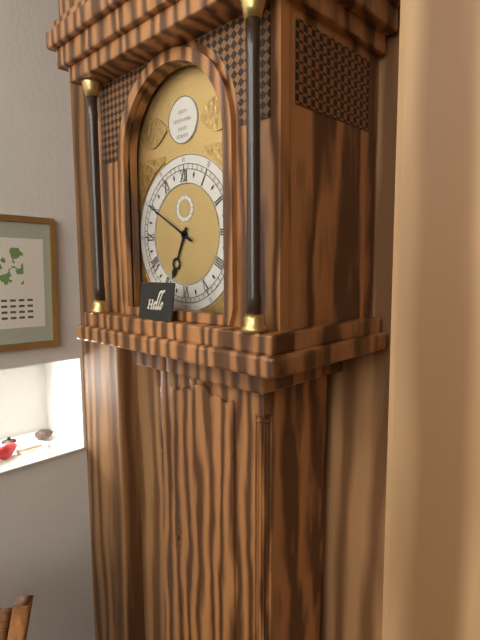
6:50
